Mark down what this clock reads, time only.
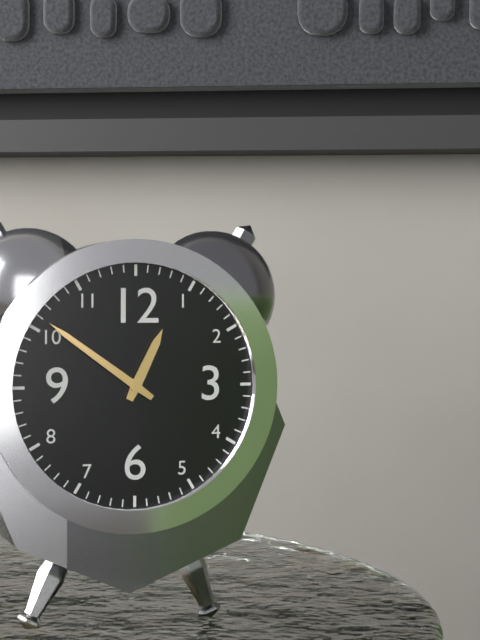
12:51
